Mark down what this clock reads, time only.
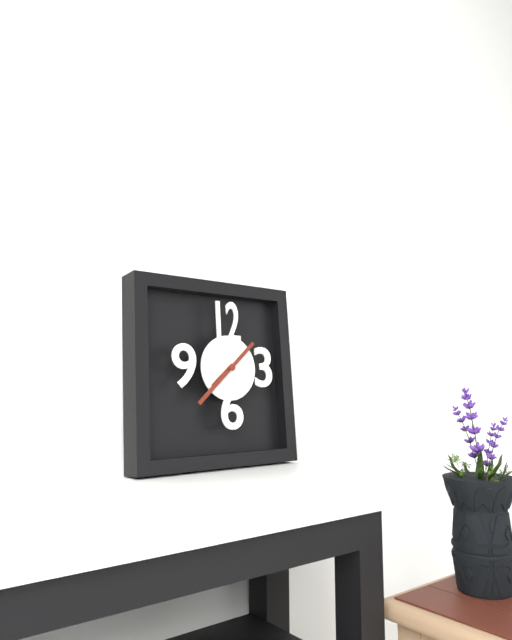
7:38
